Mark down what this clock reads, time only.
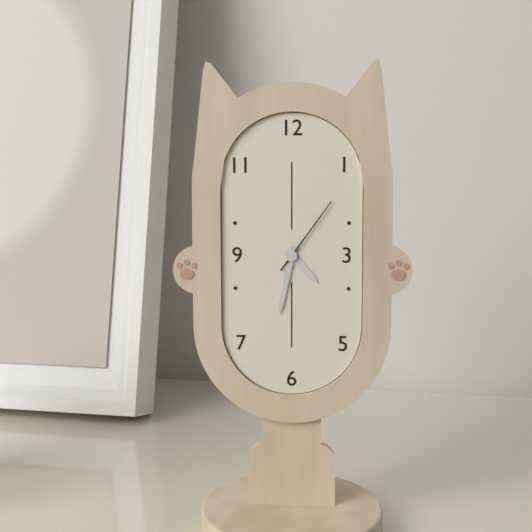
4:32:06
